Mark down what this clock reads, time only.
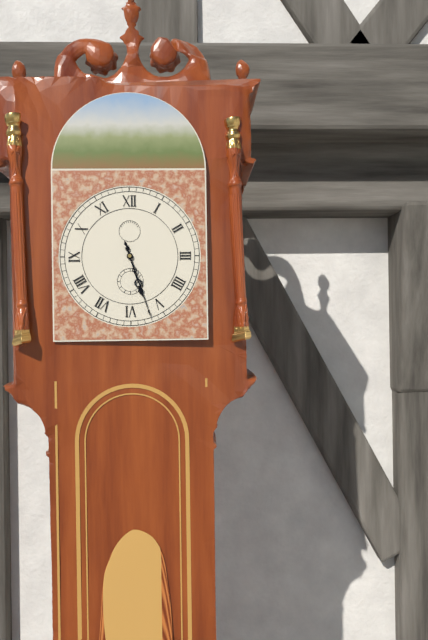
5:27
